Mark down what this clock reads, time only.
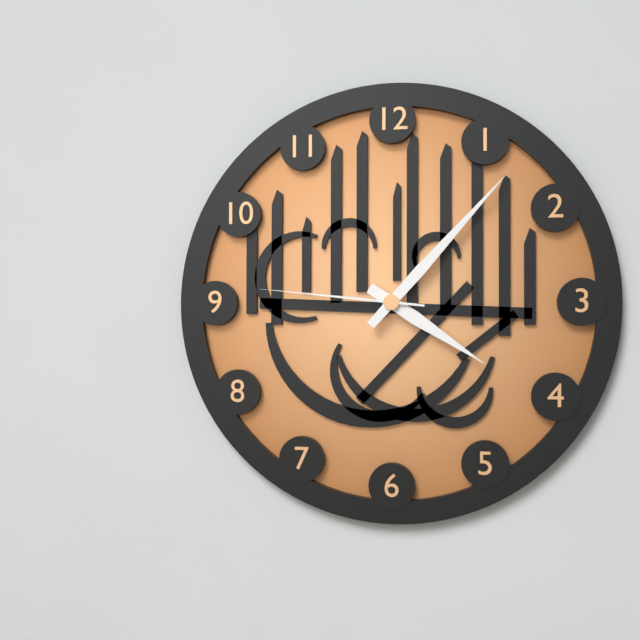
4:07:46
